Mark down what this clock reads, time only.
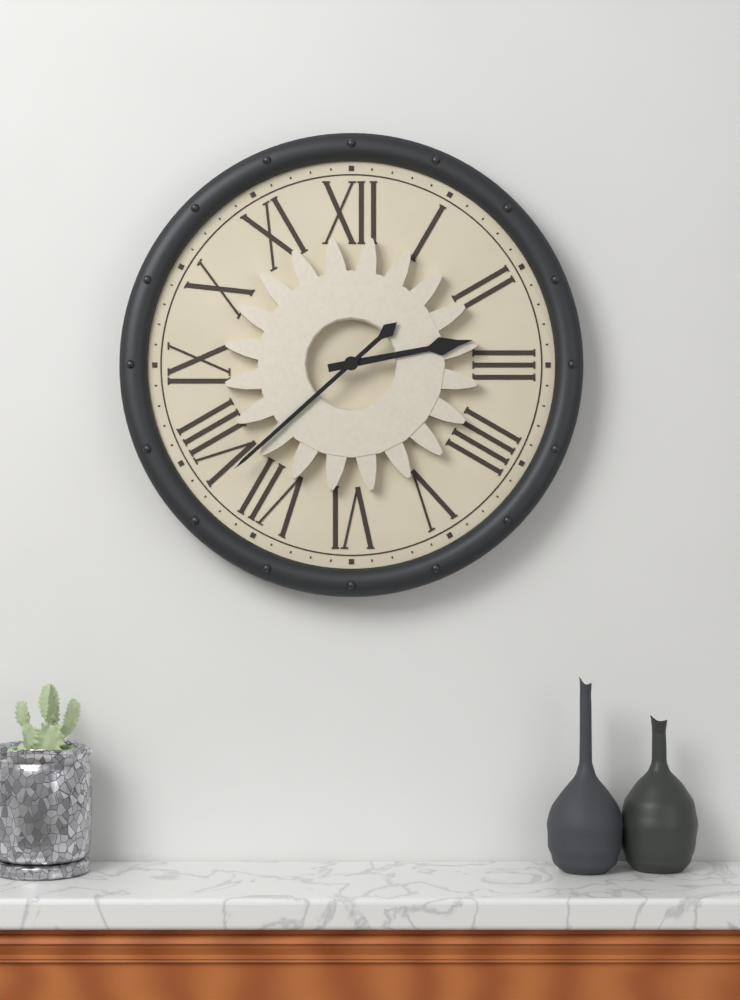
2:38
